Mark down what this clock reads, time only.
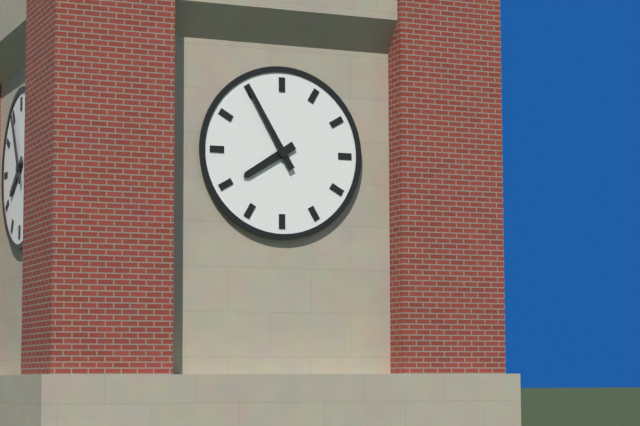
7:55
